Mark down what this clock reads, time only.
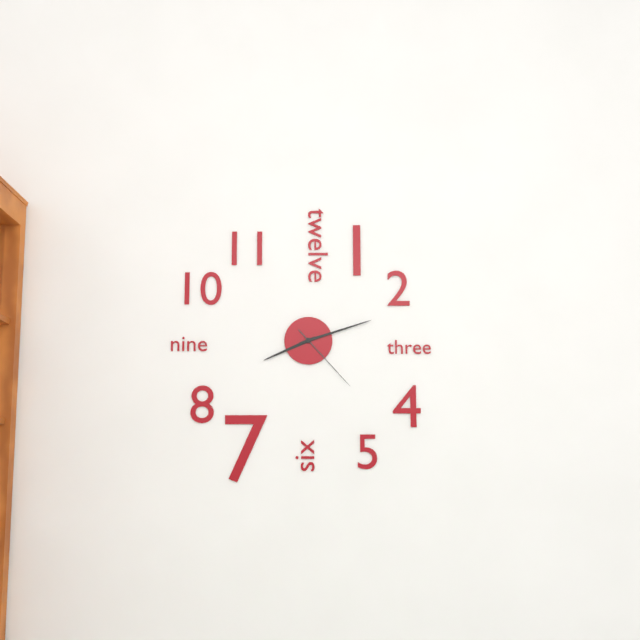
8:12:23
